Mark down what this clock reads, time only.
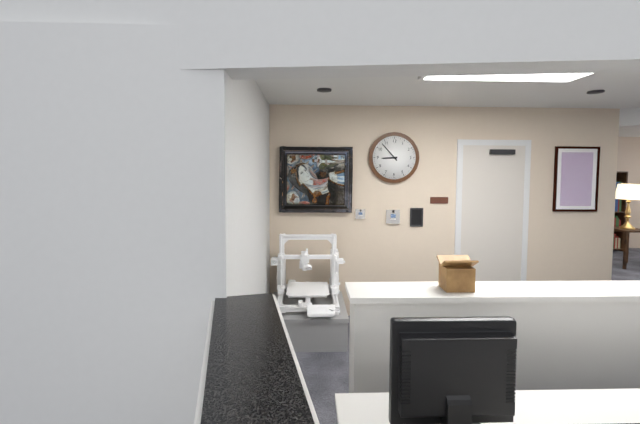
8:53
